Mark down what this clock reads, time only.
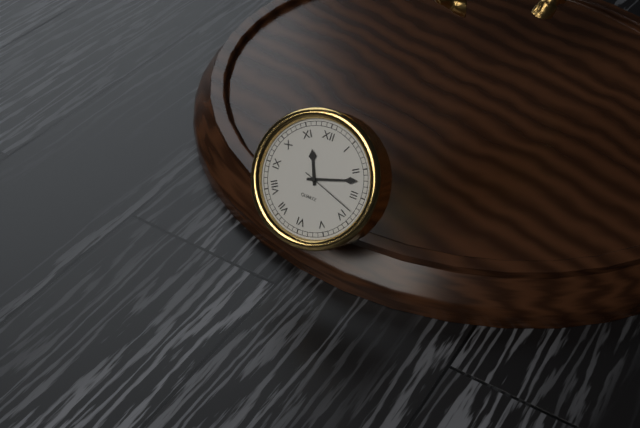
11:12:18
